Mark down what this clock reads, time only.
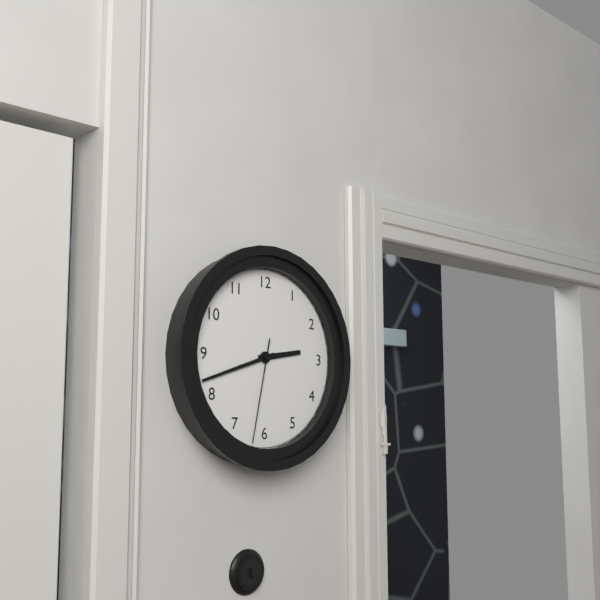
2:42:32
